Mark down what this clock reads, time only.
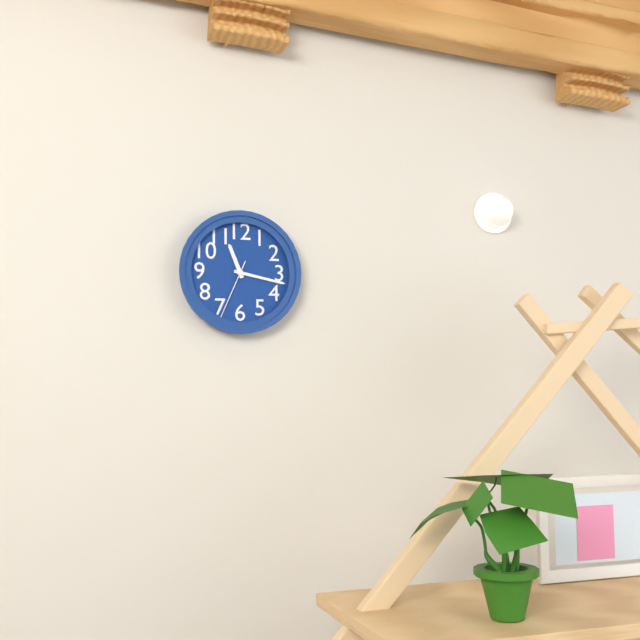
11:17:34
